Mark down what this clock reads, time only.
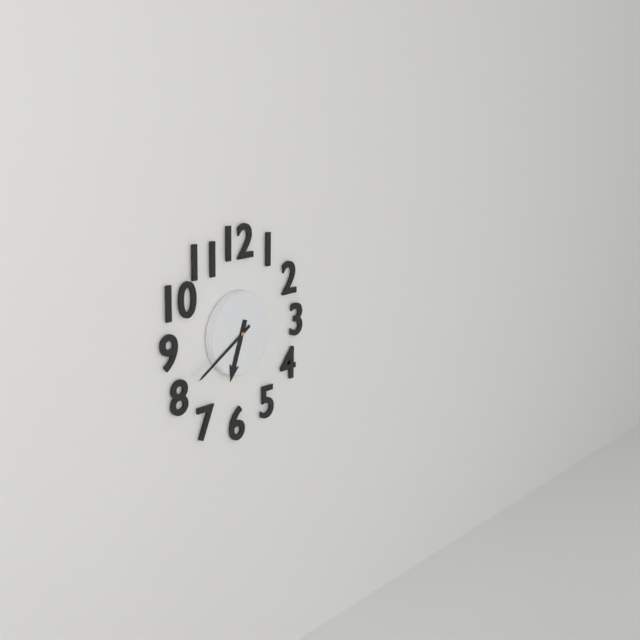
6:40
